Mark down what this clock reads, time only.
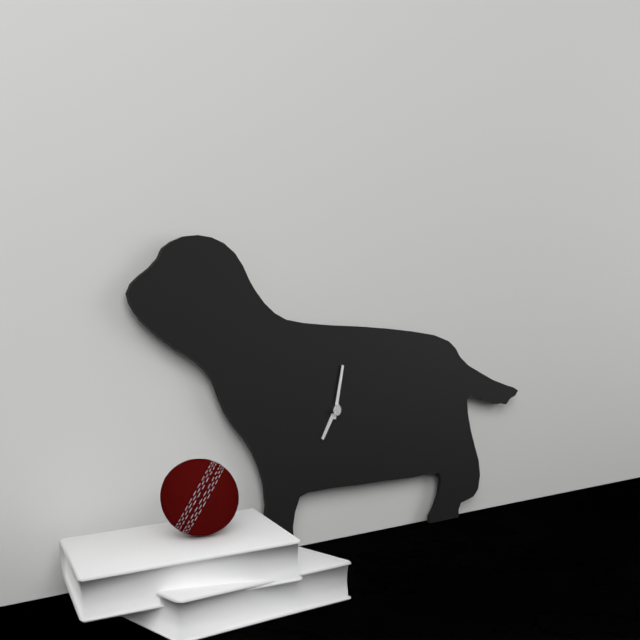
7:02
